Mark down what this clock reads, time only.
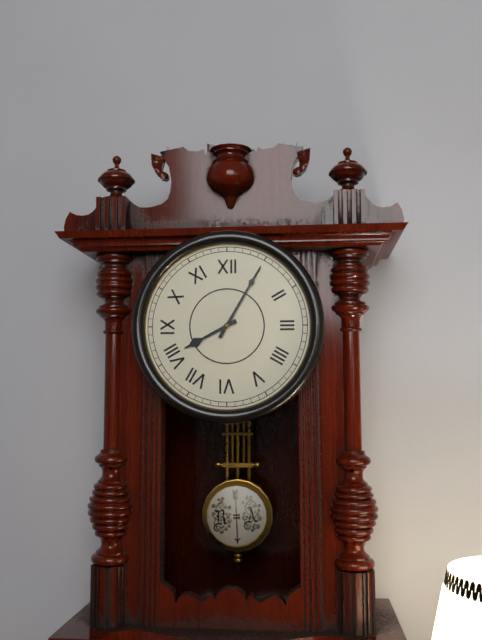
8:05
